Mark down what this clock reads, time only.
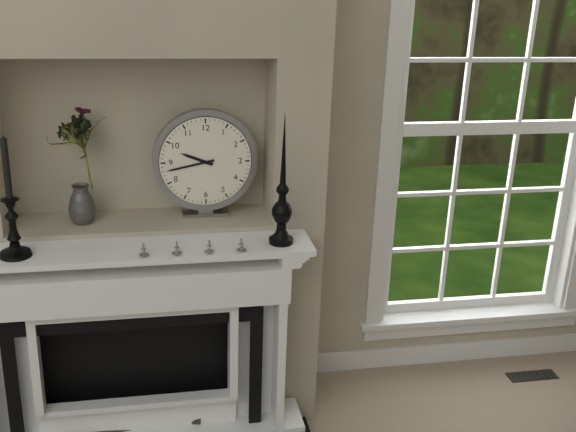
9:43
